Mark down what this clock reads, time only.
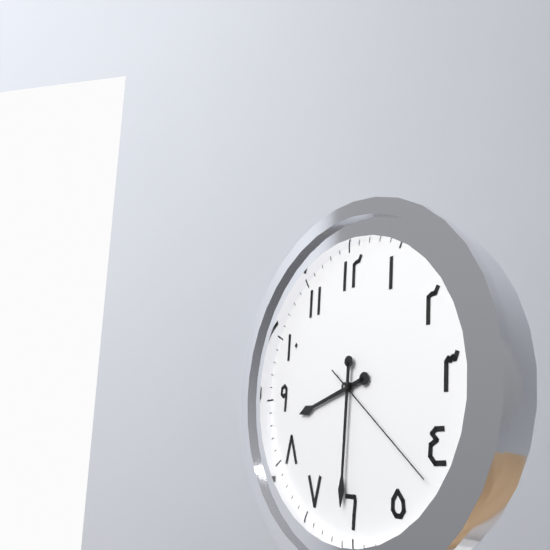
8:31:22
